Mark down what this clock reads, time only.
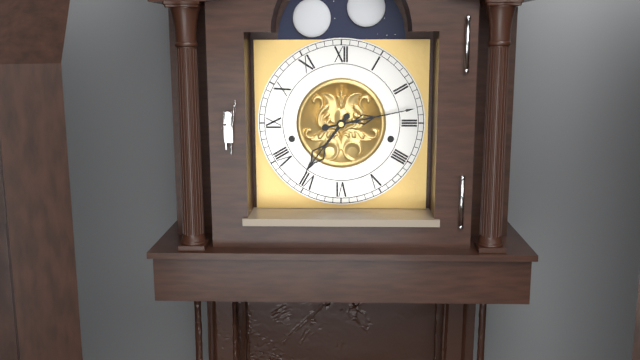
7:13
